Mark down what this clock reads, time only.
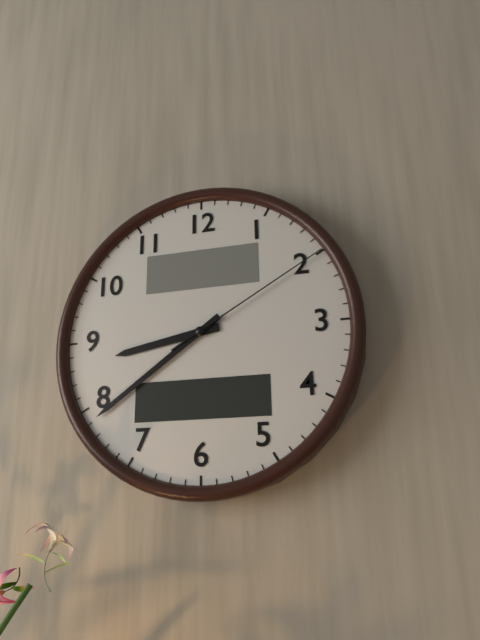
8:39:10
